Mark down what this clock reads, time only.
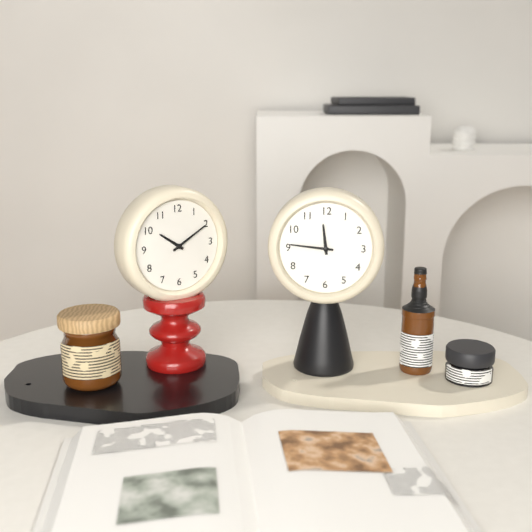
11:46
